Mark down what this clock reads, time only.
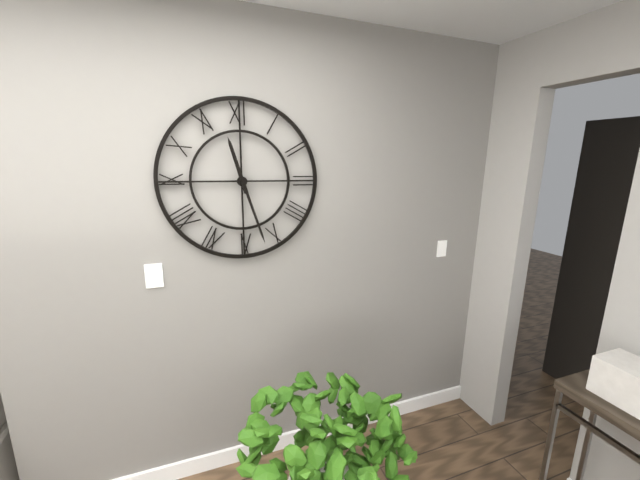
11:27
